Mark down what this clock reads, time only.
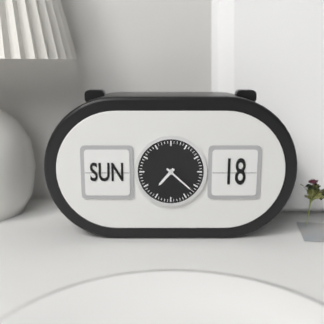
7:22
